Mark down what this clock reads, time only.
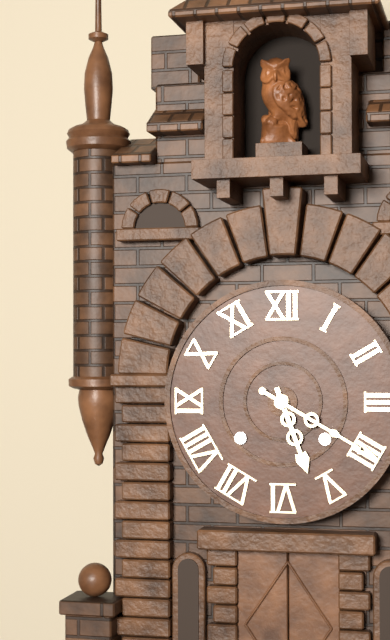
5:20
